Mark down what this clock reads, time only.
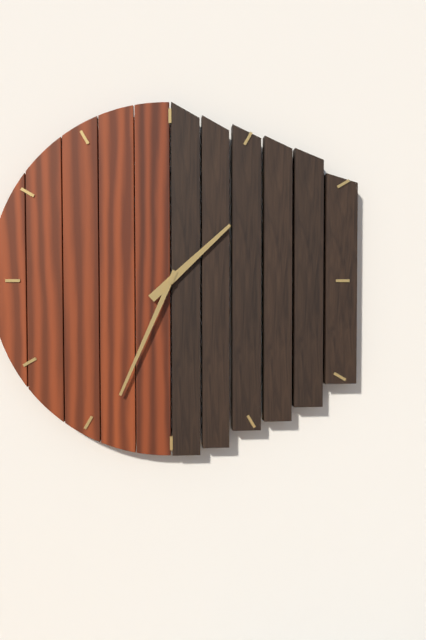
1:34
